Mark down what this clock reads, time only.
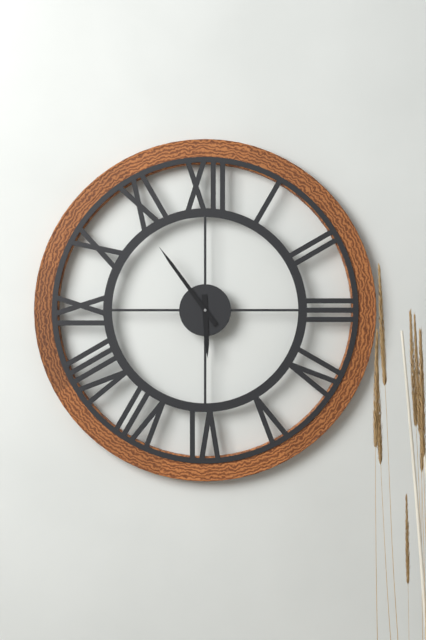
5:54
